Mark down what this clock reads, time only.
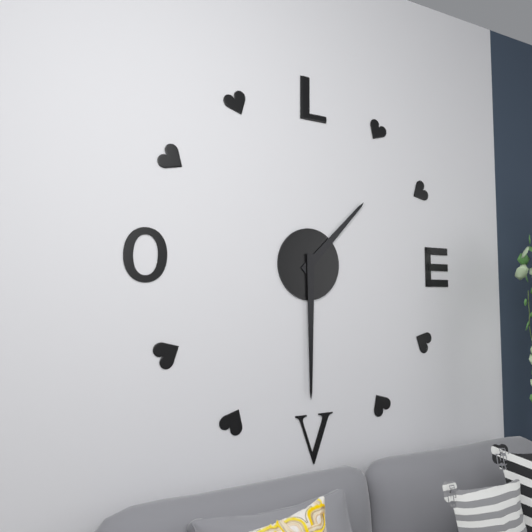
1:30
